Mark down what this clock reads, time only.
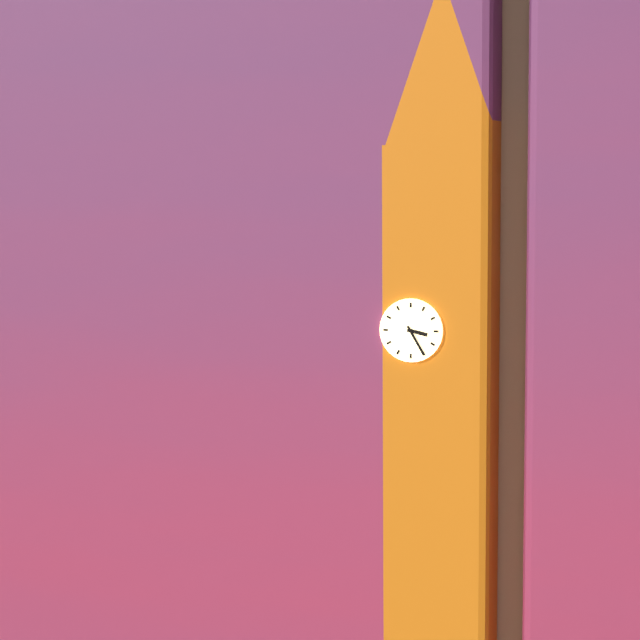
3:25
